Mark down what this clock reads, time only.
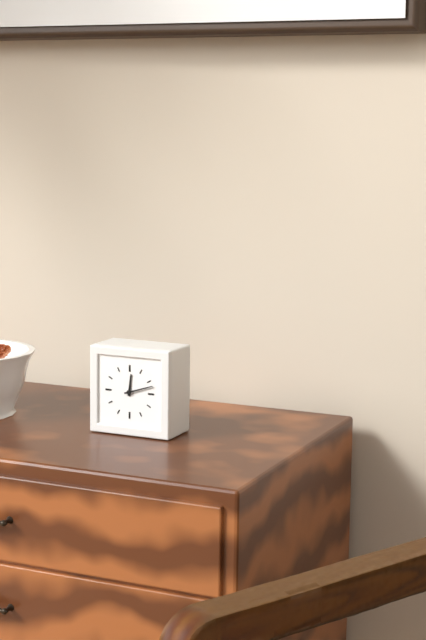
12:12
